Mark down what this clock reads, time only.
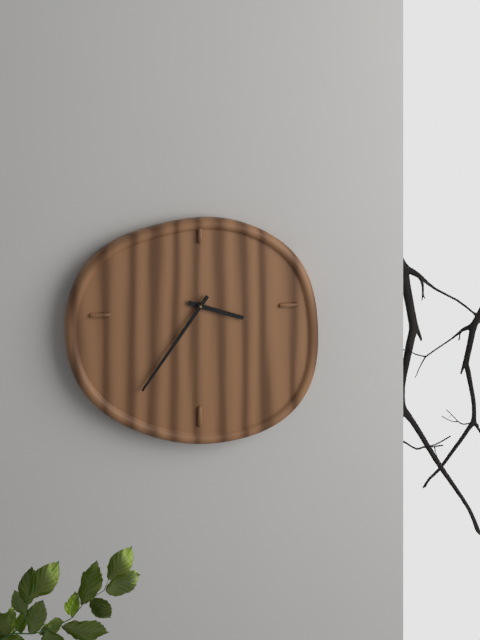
3:36
